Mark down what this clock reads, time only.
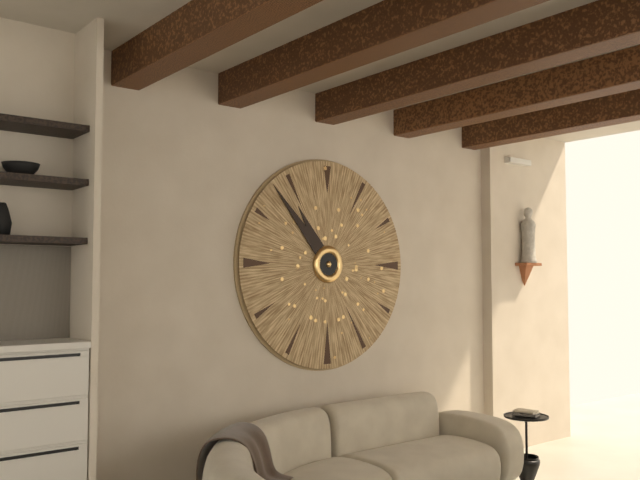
10:53
